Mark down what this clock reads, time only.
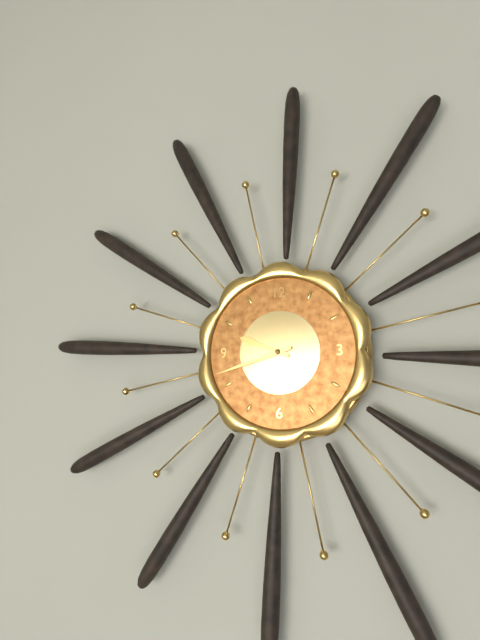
9:42
